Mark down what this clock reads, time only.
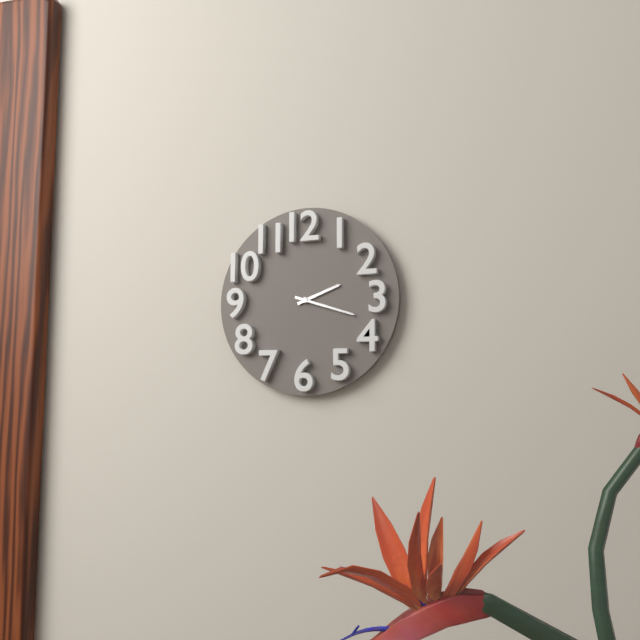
2:18
